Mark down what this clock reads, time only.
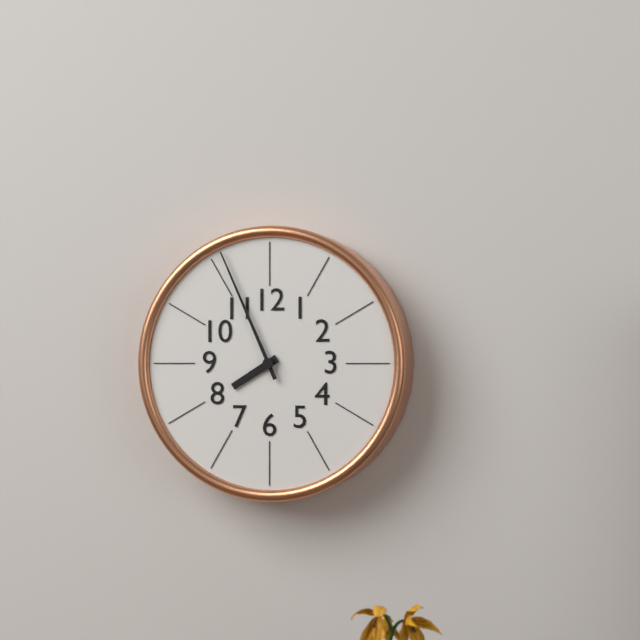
7:56
